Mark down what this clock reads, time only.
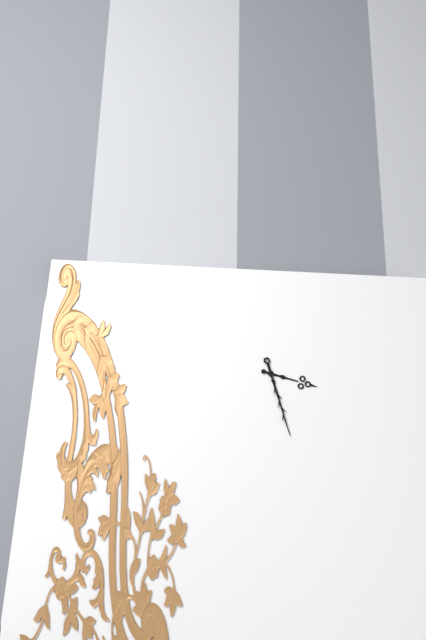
3:27
